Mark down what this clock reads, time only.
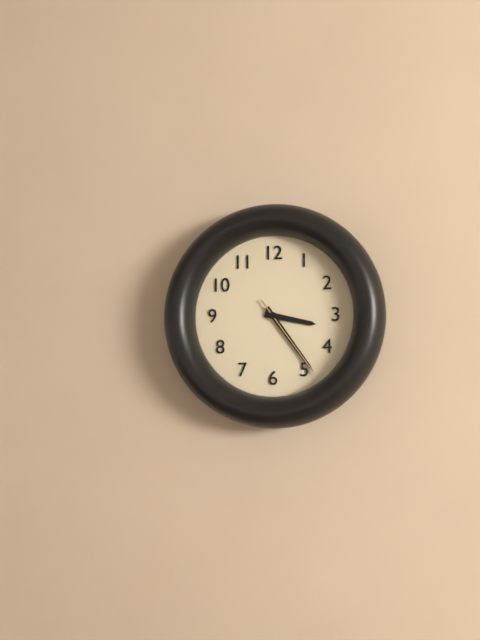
3:24:24
